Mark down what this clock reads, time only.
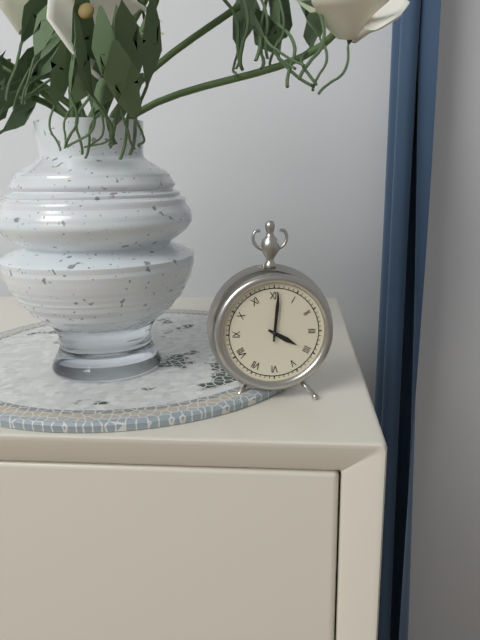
4:01
